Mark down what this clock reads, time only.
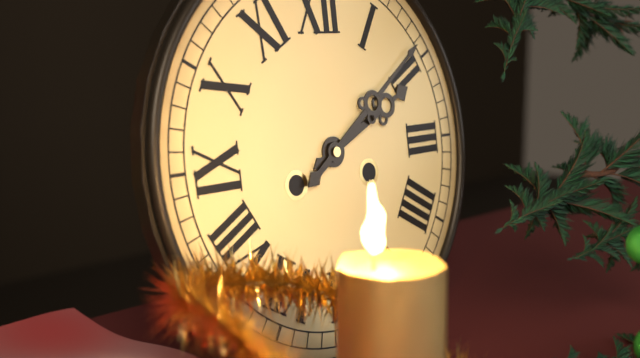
2:09
